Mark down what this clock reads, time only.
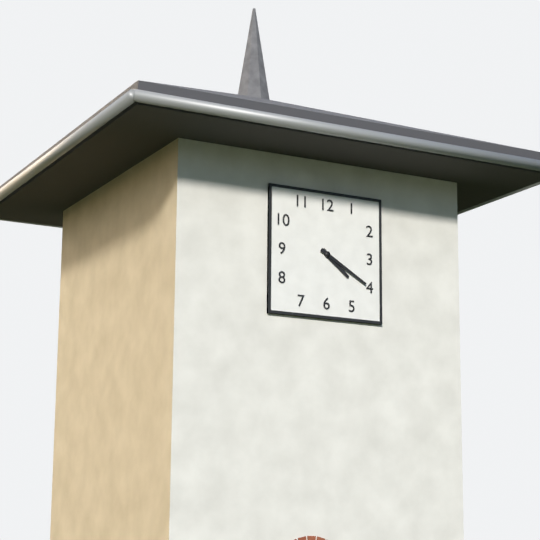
4:20
